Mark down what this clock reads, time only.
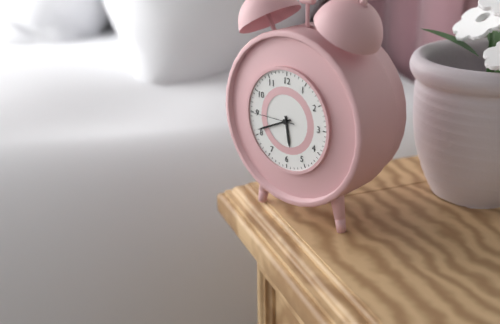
5:41
